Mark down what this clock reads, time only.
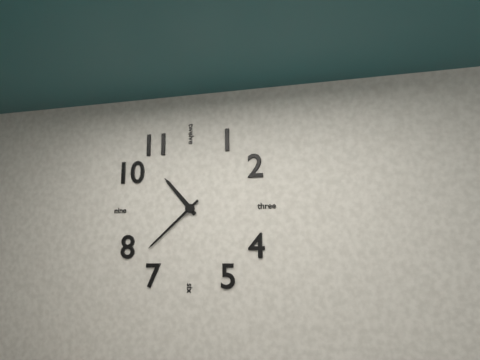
10:38
